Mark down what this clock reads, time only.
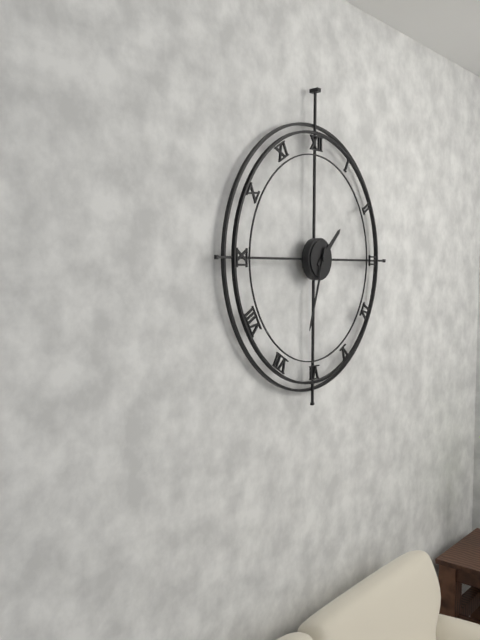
1:33
